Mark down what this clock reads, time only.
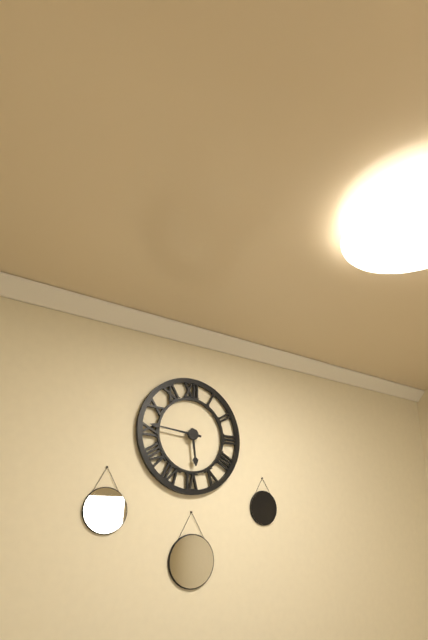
5:46
